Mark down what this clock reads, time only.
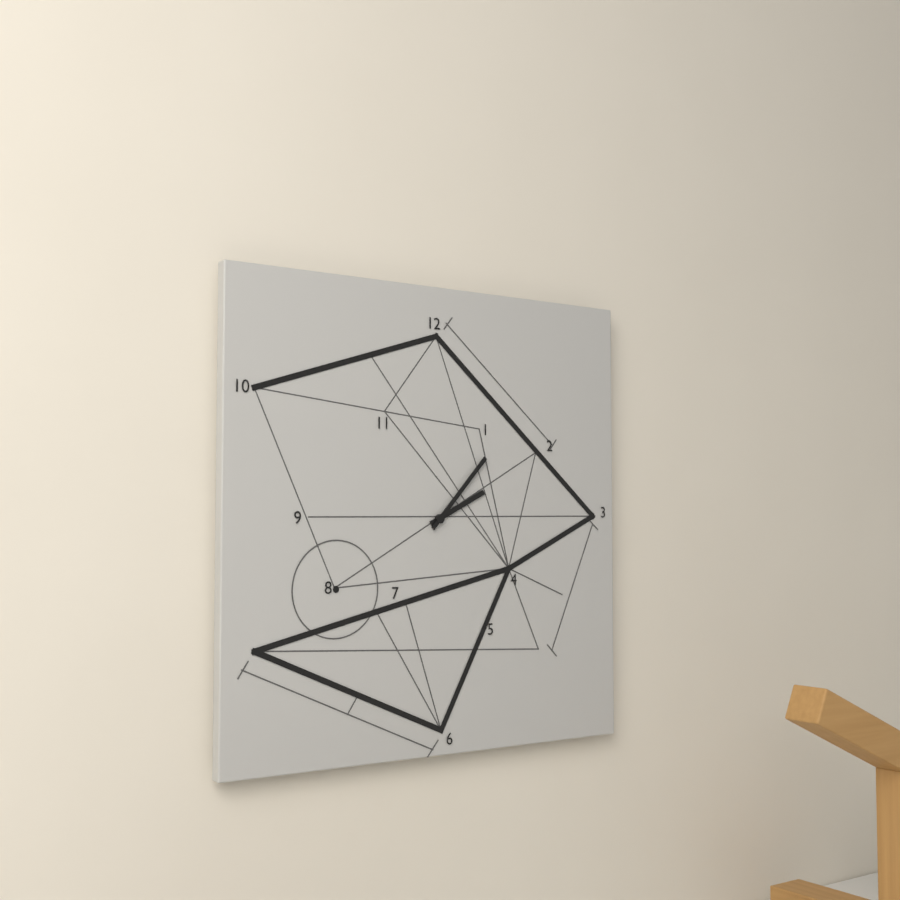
2:07
